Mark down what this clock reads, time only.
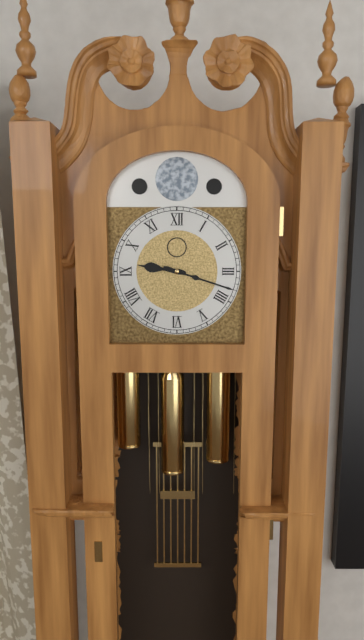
9:18
